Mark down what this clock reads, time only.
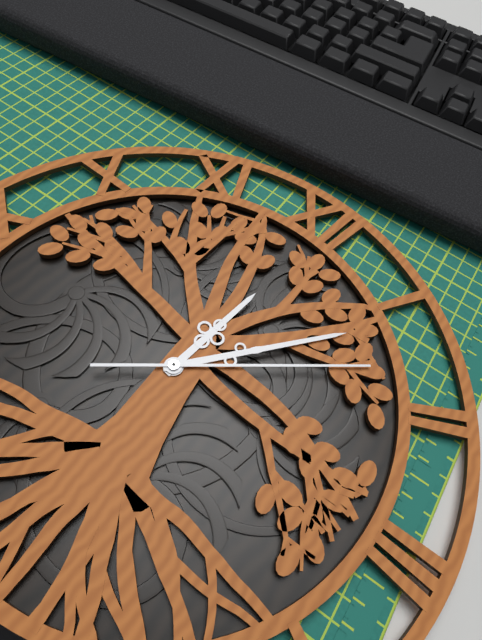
12:06:08
